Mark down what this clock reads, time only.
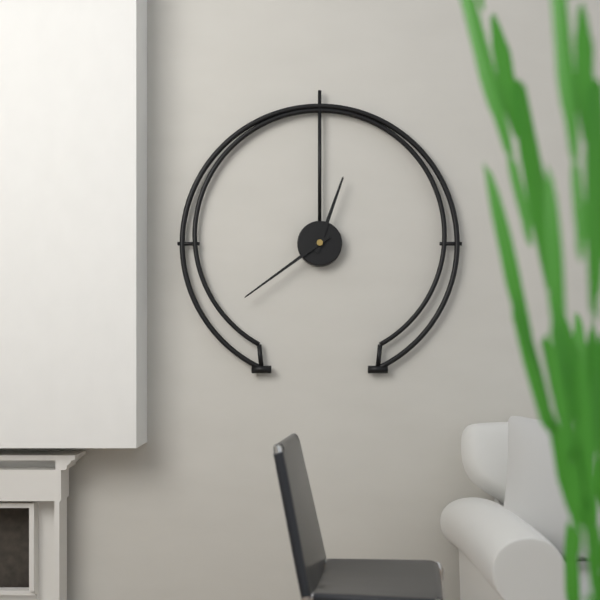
12:39
